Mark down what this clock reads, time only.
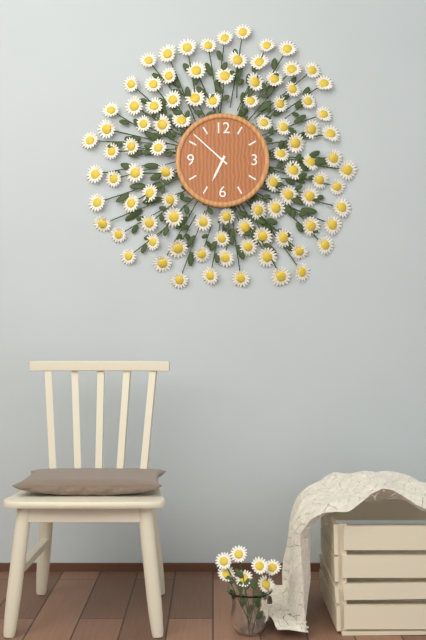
6:52
